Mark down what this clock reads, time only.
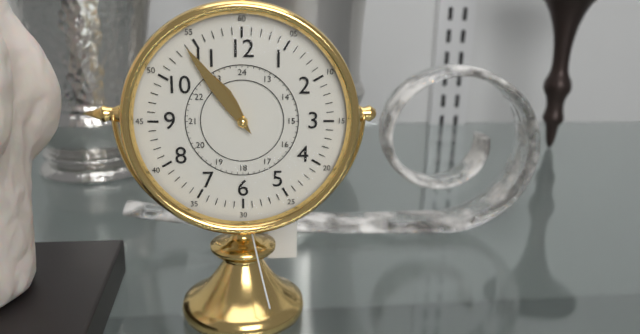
10:54
